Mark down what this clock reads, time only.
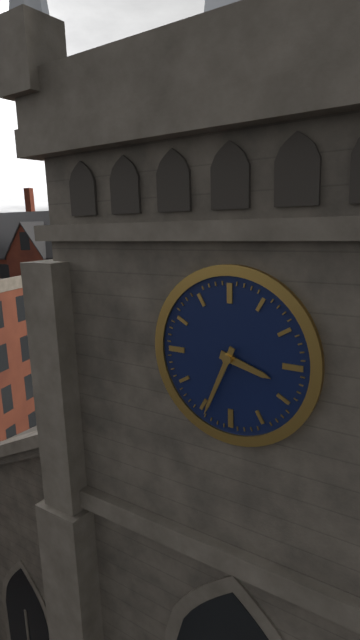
3:34
